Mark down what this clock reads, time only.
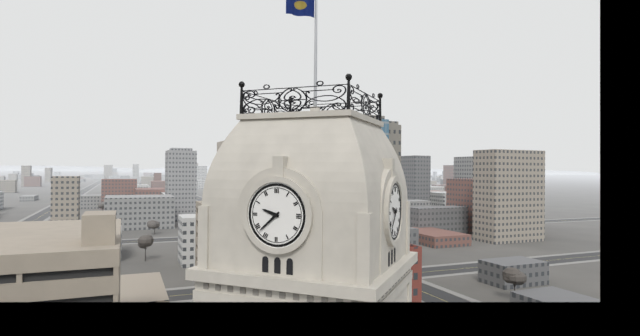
9:38
